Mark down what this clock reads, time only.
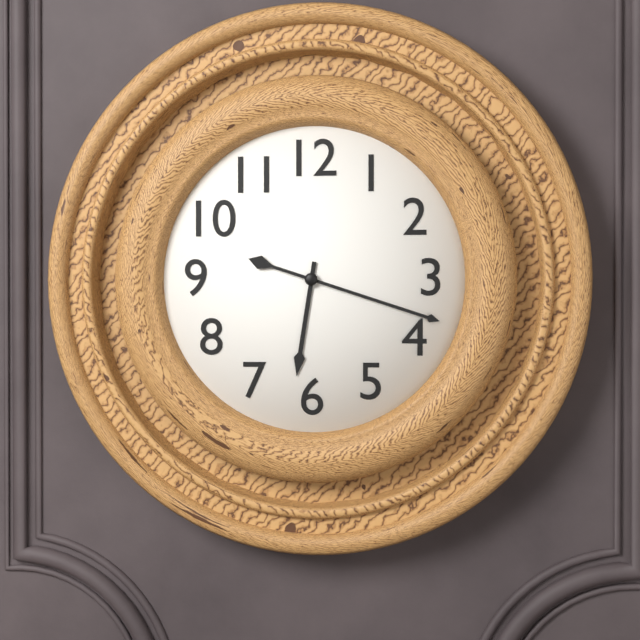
6:18
